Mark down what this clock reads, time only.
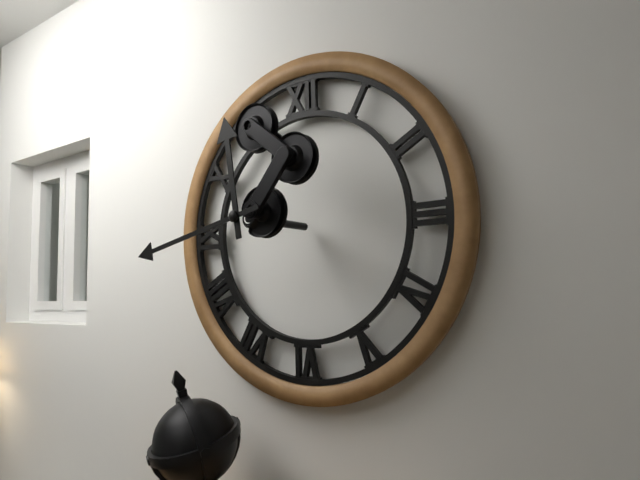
11:43
